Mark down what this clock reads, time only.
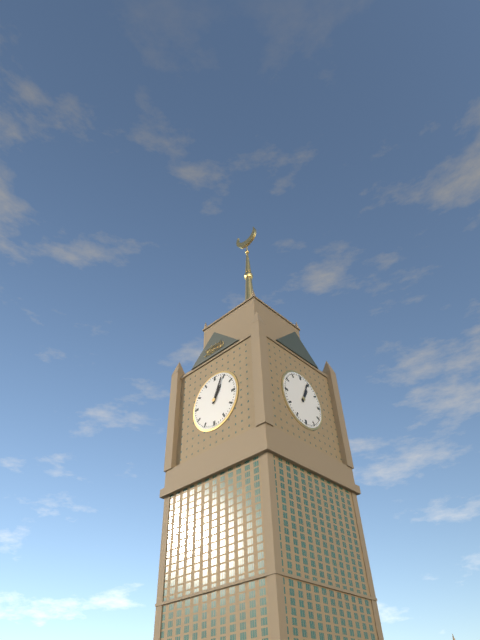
1:04
